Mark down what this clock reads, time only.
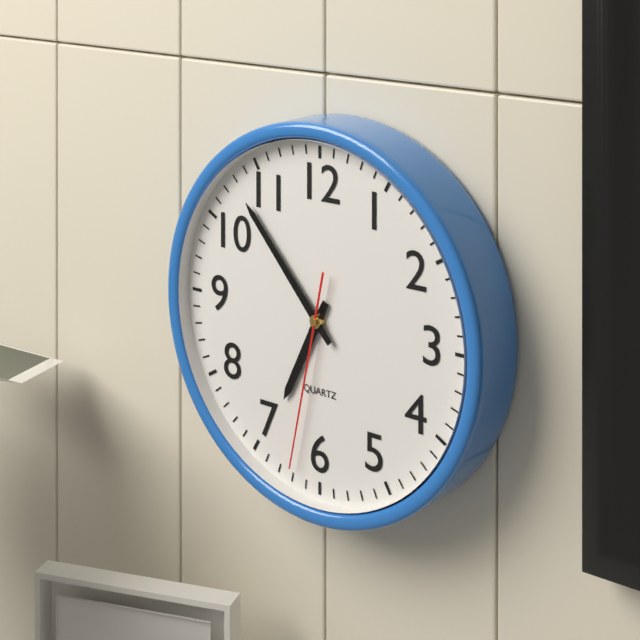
6:53:32
